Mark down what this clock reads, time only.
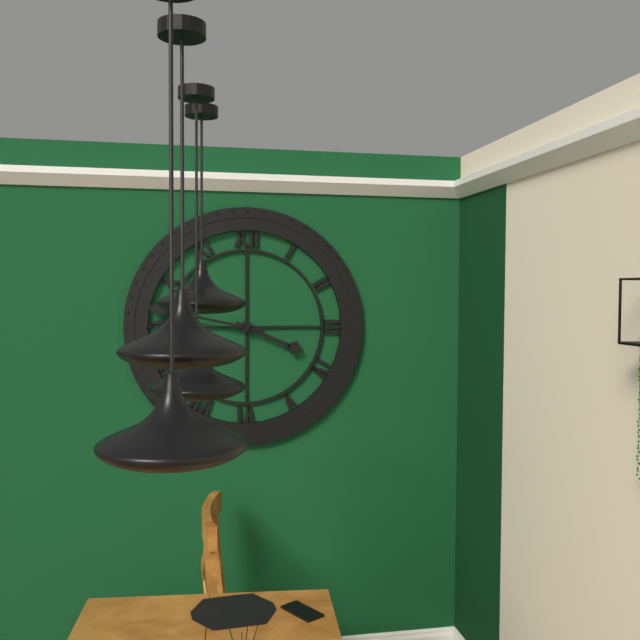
3:47
